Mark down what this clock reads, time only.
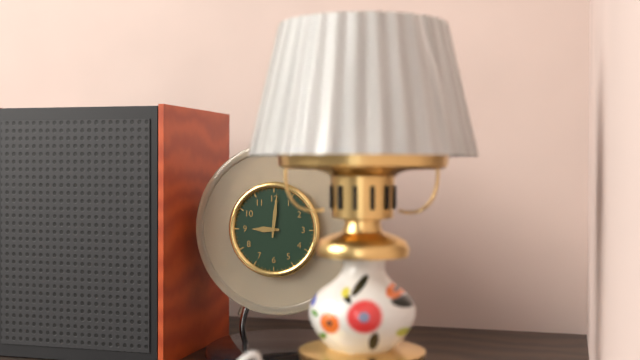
9:01
